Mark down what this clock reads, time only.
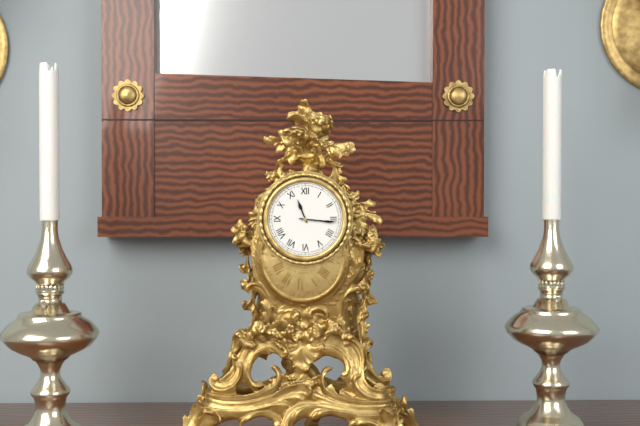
11:16
